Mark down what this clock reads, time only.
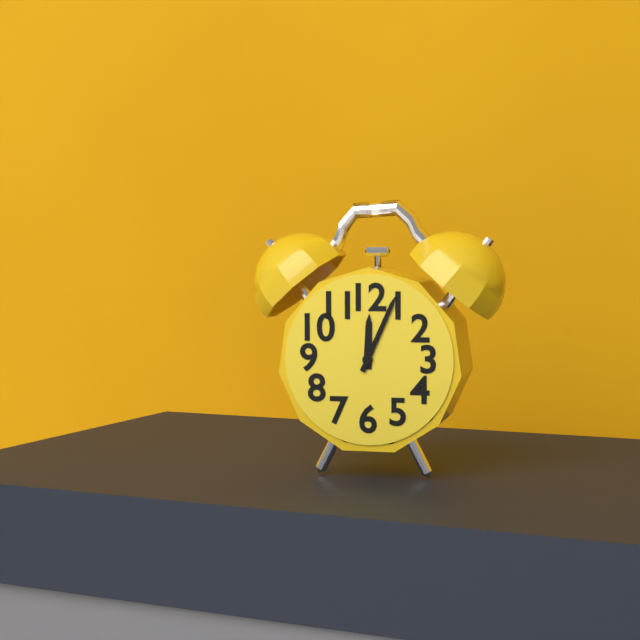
12:04
